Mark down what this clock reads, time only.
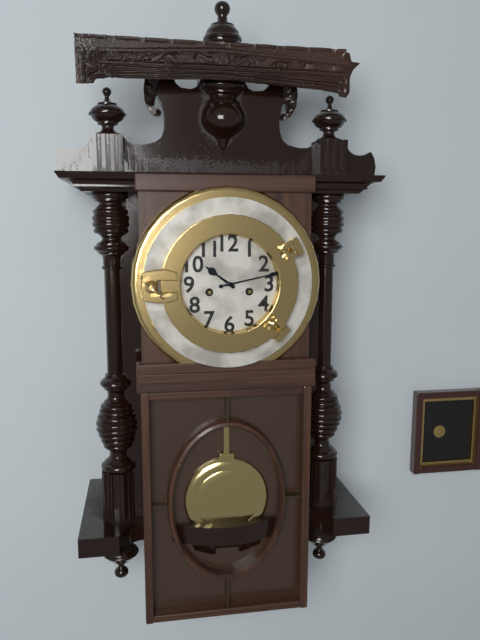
10:13
